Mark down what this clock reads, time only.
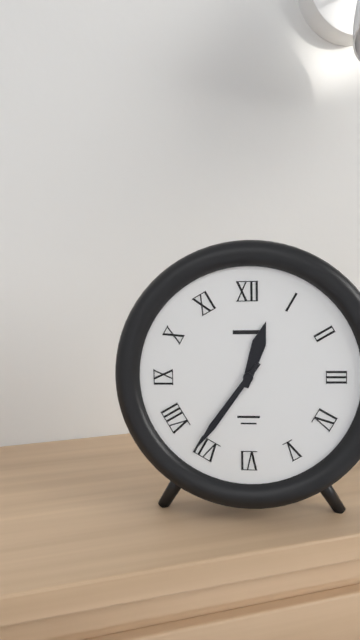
12:36
